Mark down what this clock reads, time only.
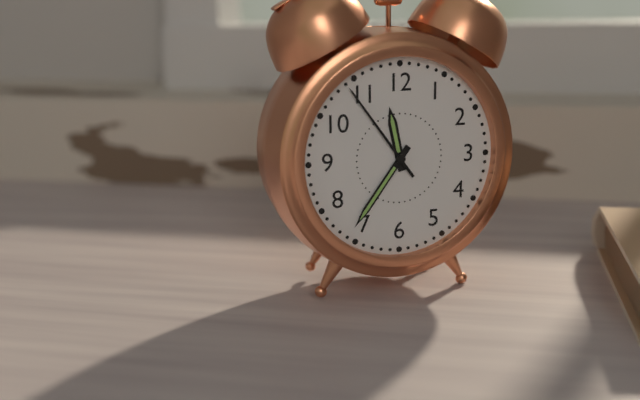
11:36:54
